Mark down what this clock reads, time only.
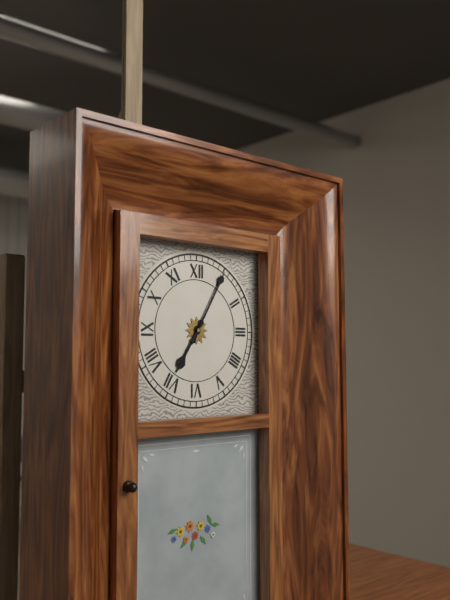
7:05
